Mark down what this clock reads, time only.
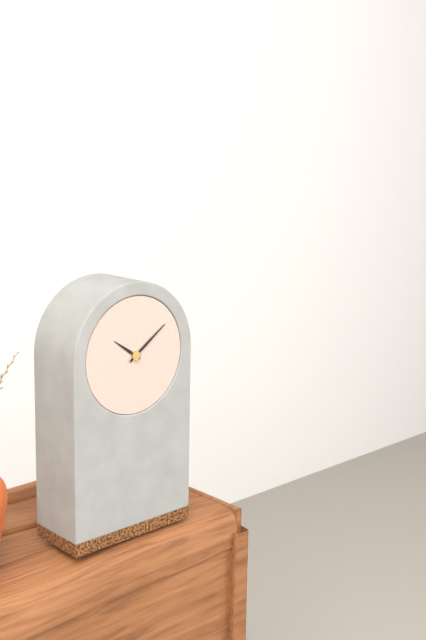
10:09
